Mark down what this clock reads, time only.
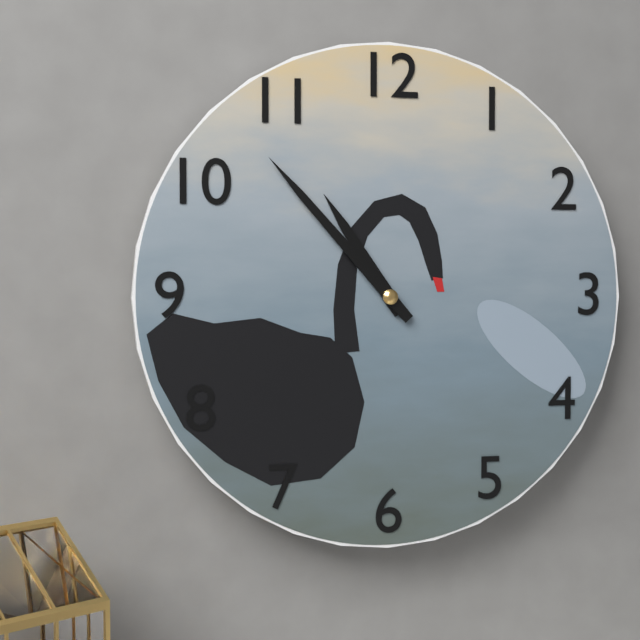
10:53
